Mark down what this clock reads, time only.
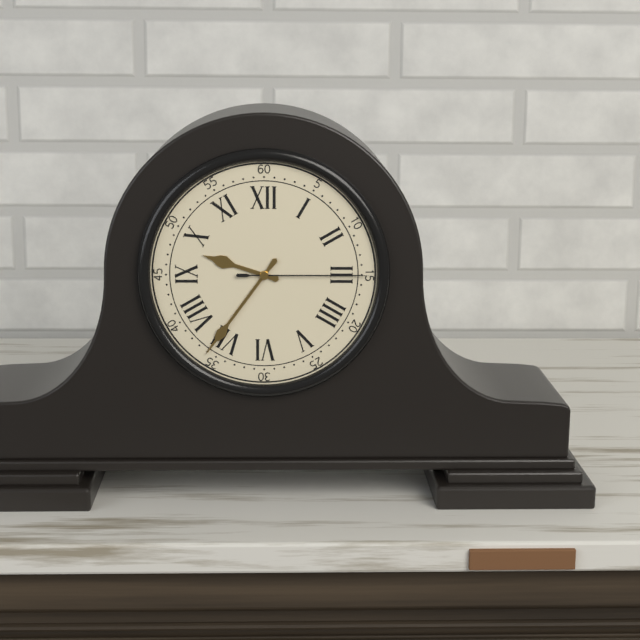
9:36:15
